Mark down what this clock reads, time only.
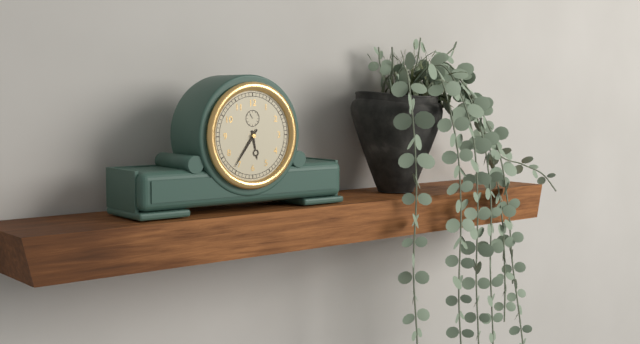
5:36
